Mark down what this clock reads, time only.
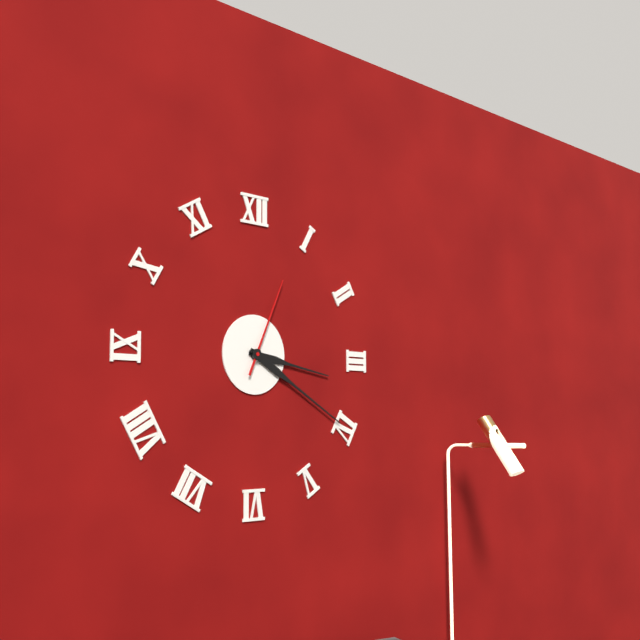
3:20:04
